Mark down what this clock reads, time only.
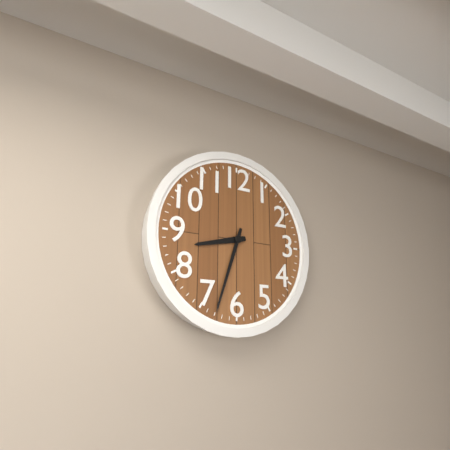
8:33
